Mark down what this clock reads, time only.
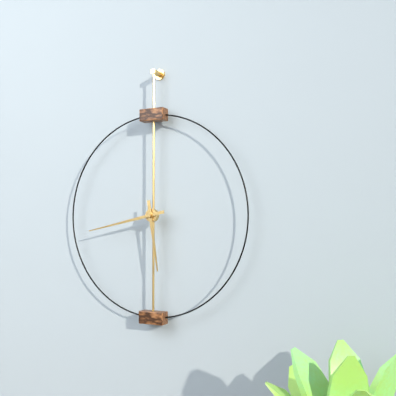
5:43
